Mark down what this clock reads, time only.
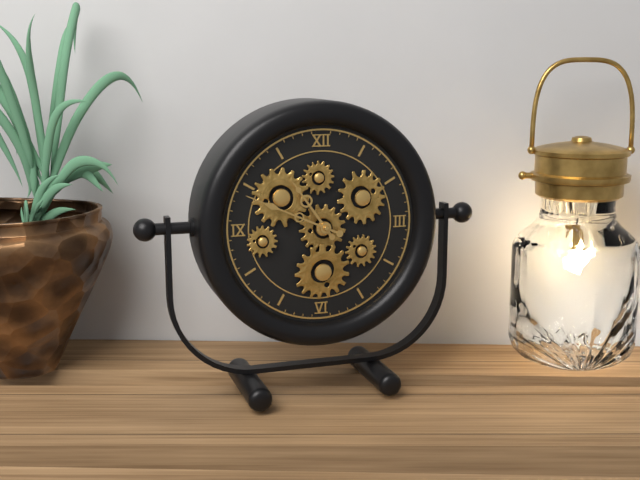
10:49
